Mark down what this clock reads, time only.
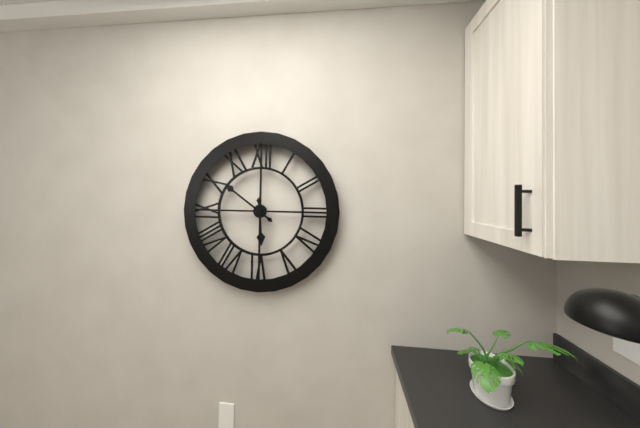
5:51
